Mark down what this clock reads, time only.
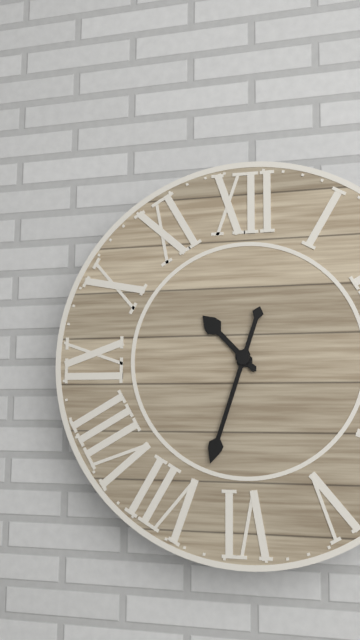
10:33
